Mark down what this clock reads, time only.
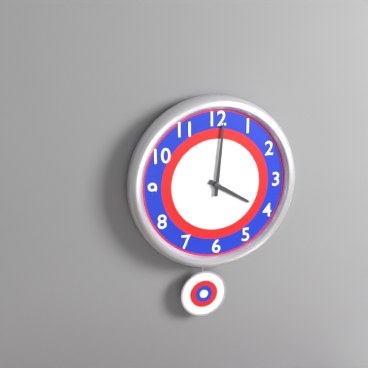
4:01
